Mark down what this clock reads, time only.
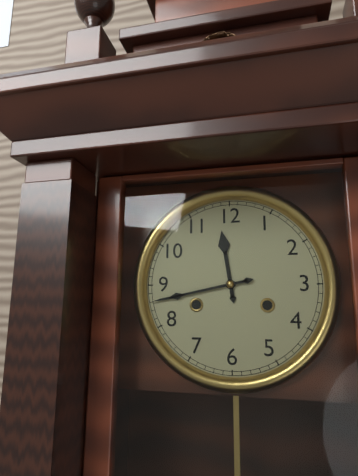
11:43
